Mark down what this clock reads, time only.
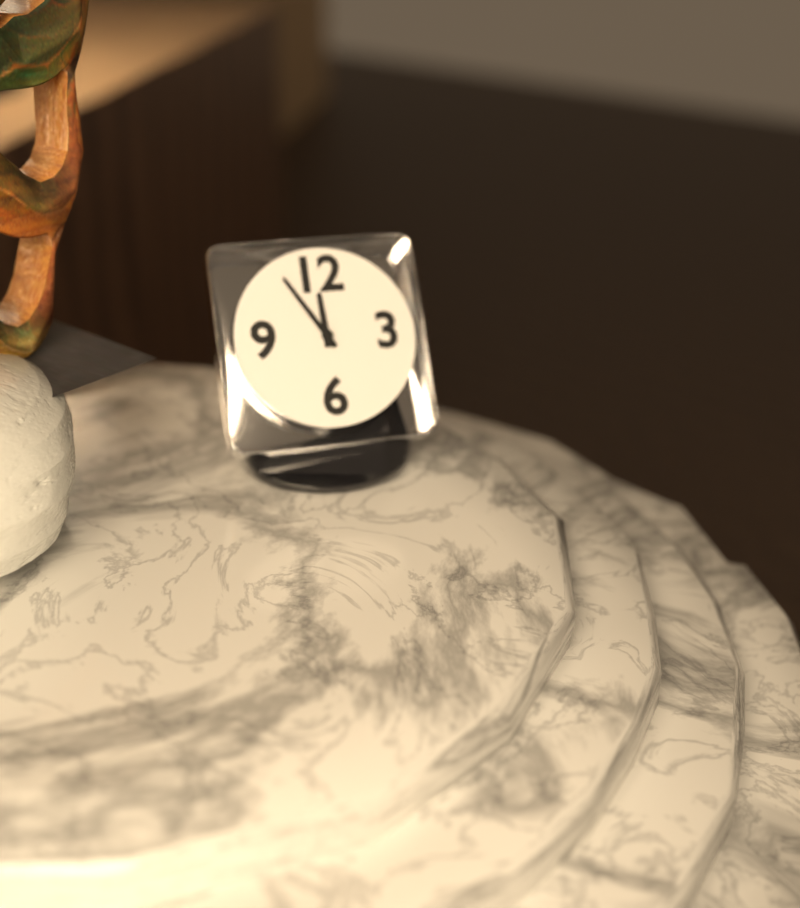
11:55
